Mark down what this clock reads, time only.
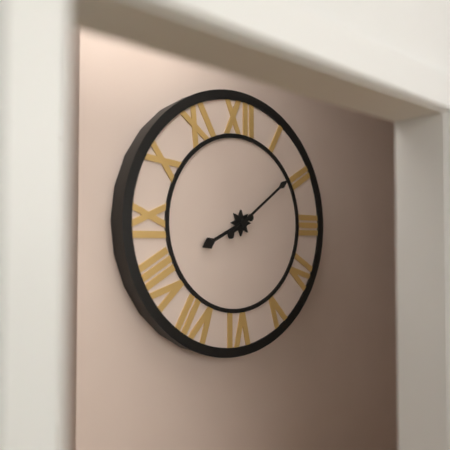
8:09
